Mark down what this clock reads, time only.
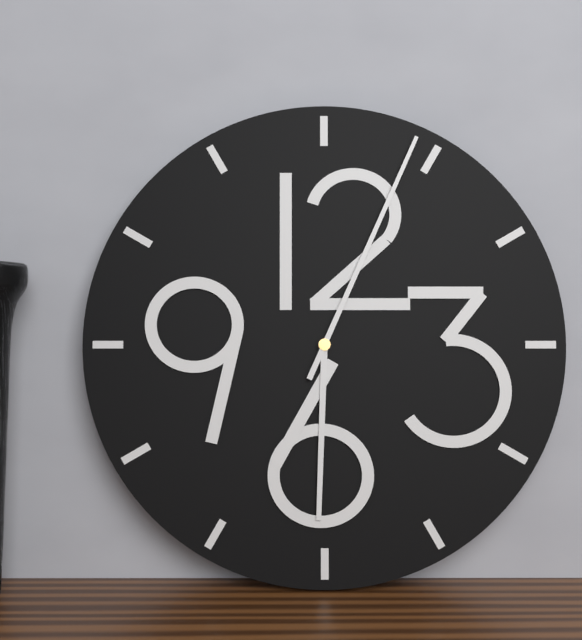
6:04
